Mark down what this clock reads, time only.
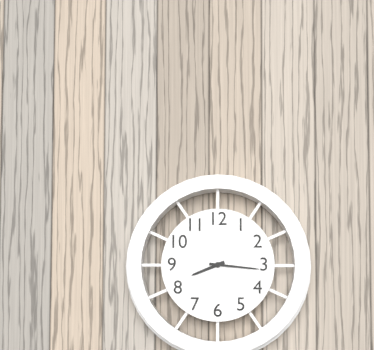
8:16
